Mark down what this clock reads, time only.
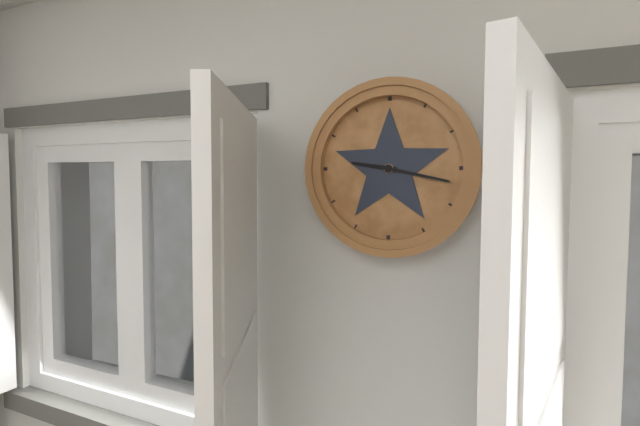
9:17
